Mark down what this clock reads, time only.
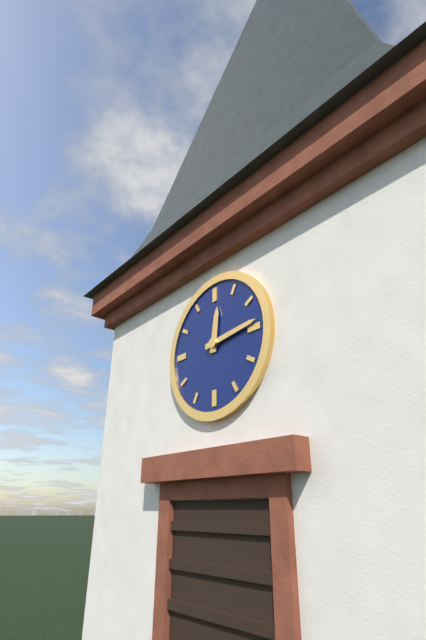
12:14
